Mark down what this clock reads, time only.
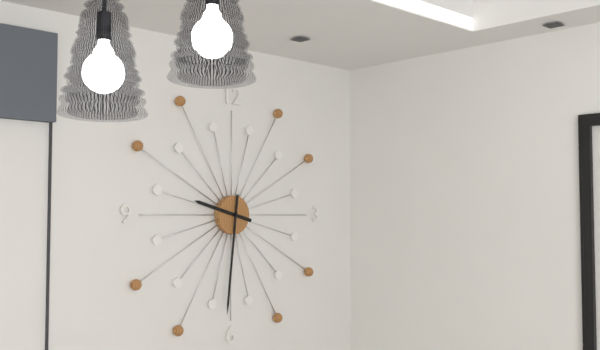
9:31
